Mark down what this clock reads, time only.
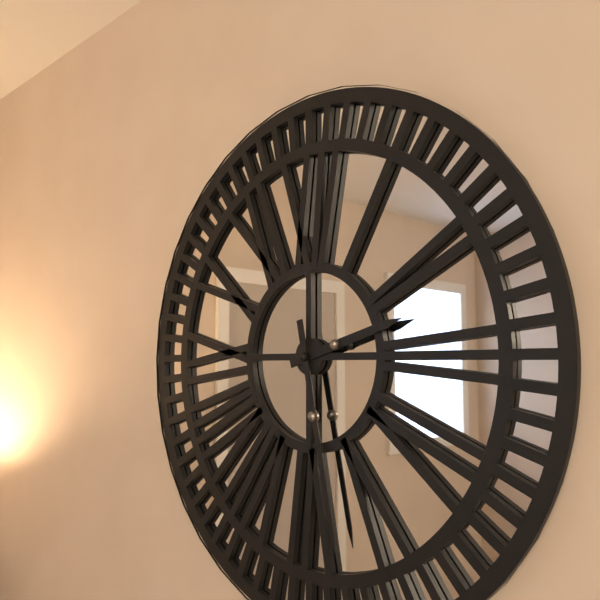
2:28
